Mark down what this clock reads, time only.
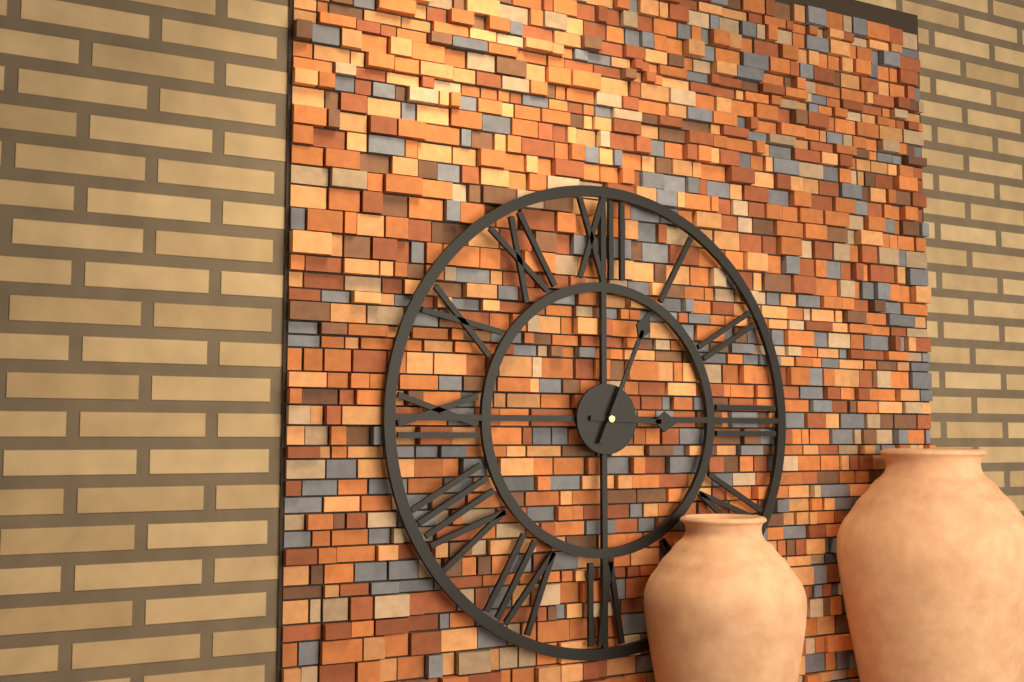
3:04
